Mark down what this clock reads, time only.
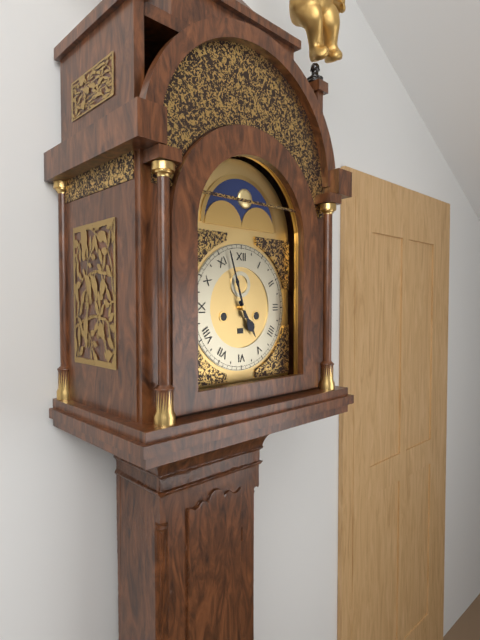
4:57
